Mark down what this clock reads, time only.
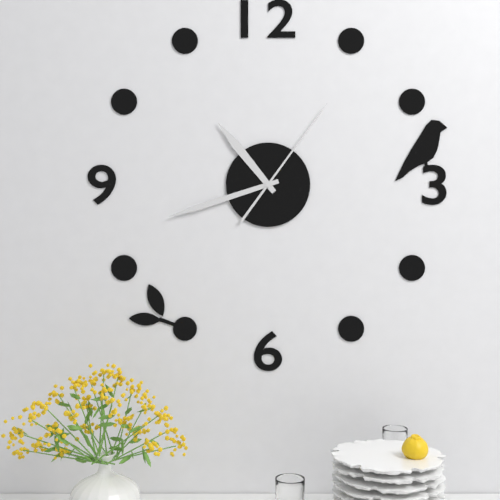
10:42:06
